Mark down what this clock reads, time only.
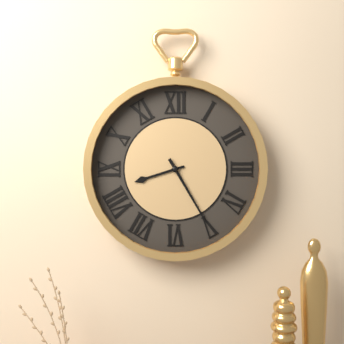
8:25
